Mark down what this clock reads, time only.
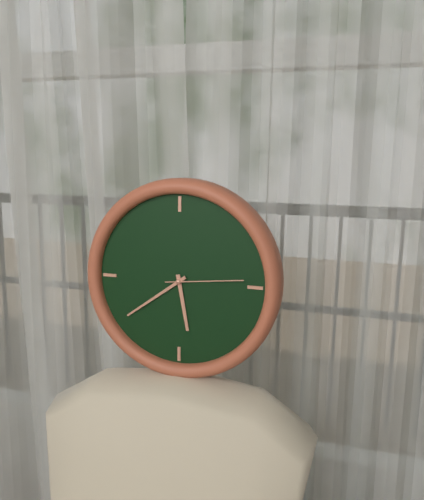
5:39:14
